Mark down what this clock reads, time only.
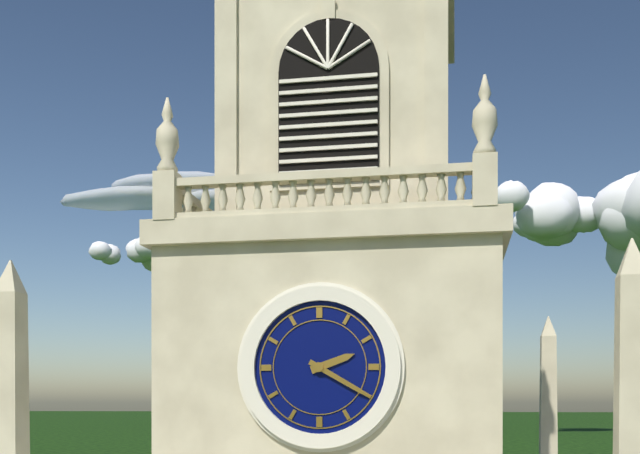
2:20
